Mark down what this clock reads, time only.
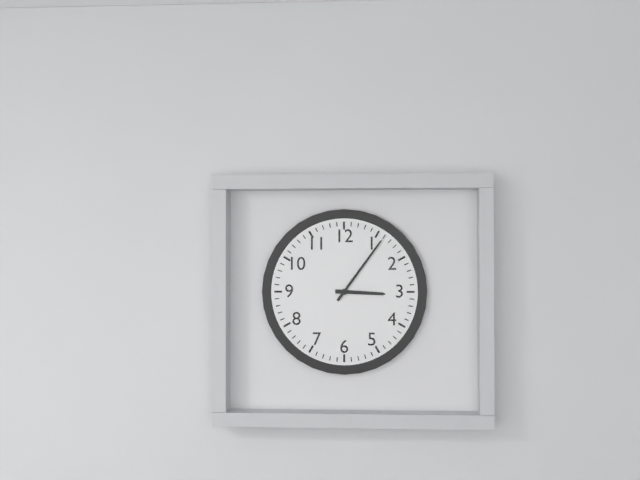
3:06
